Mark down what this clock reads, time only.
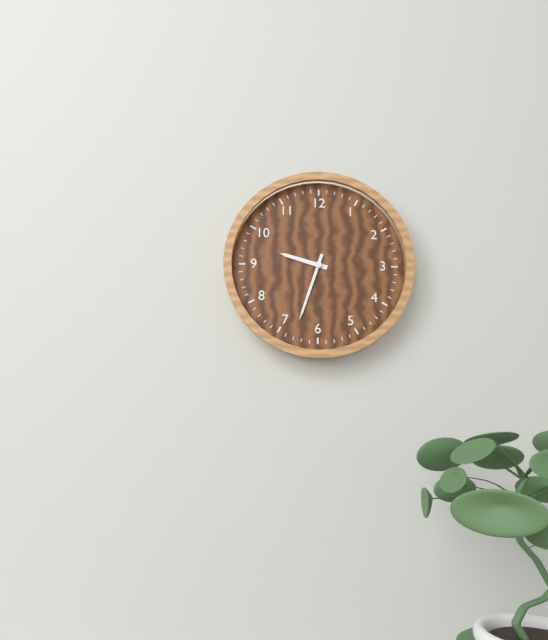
9:33
